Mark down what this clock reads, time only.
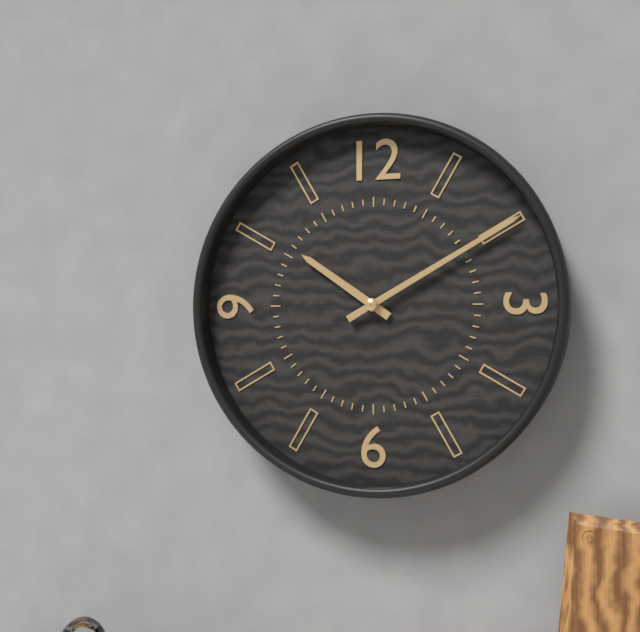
10:10
